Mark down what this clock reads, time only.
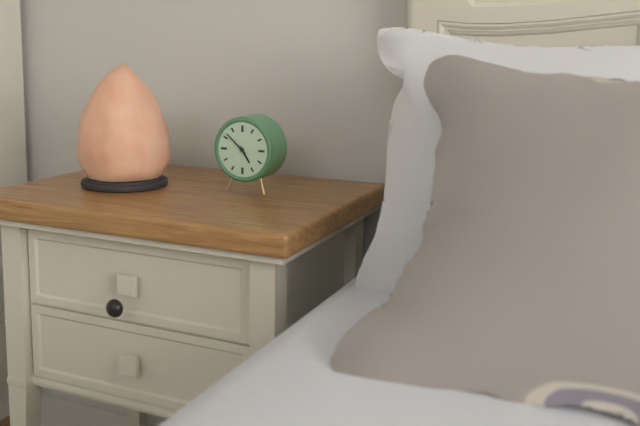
4:52
